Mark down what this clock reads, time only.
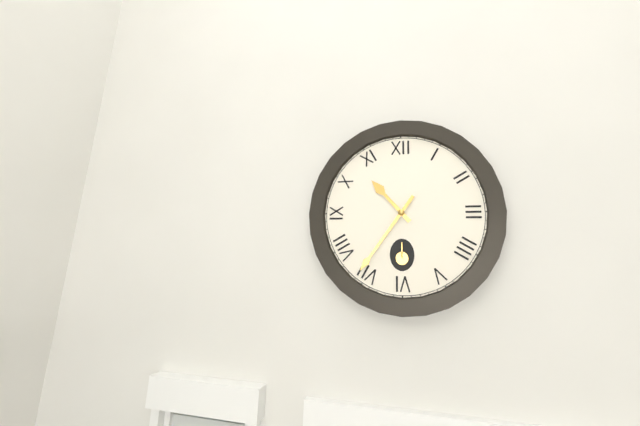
10:36
